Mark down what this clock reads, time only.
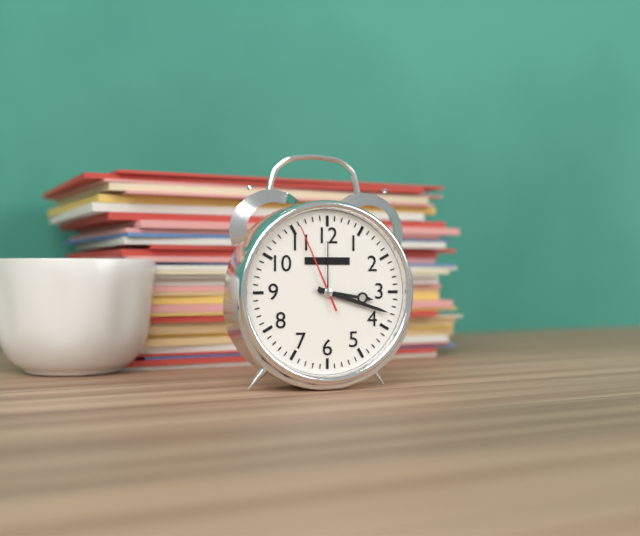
3:18:56
